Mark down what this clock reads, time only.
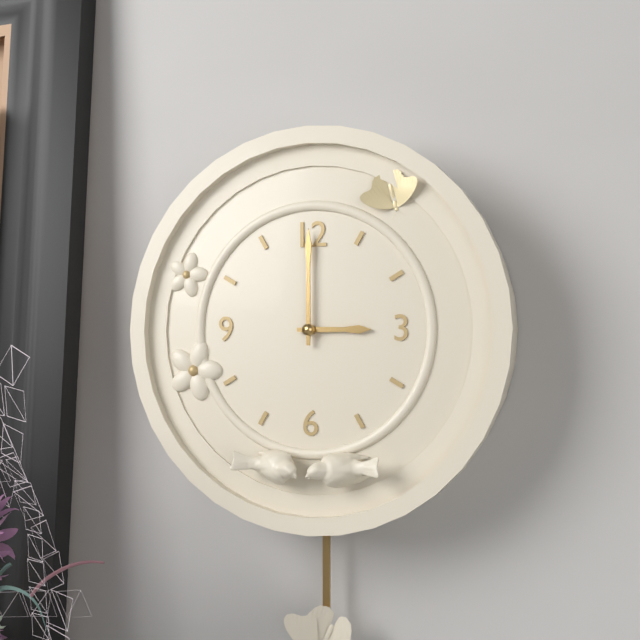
3:00
